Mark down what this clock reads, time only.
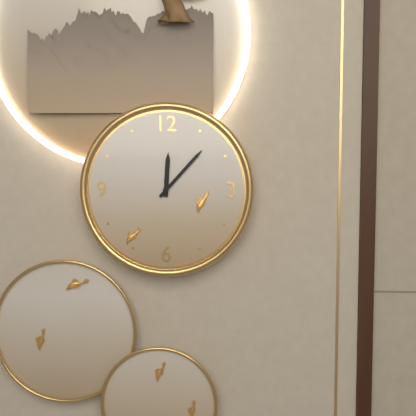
12:07
